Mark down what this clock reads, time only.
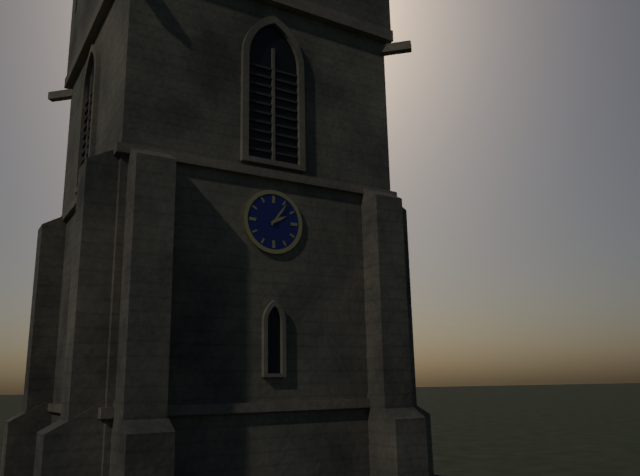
2:06
